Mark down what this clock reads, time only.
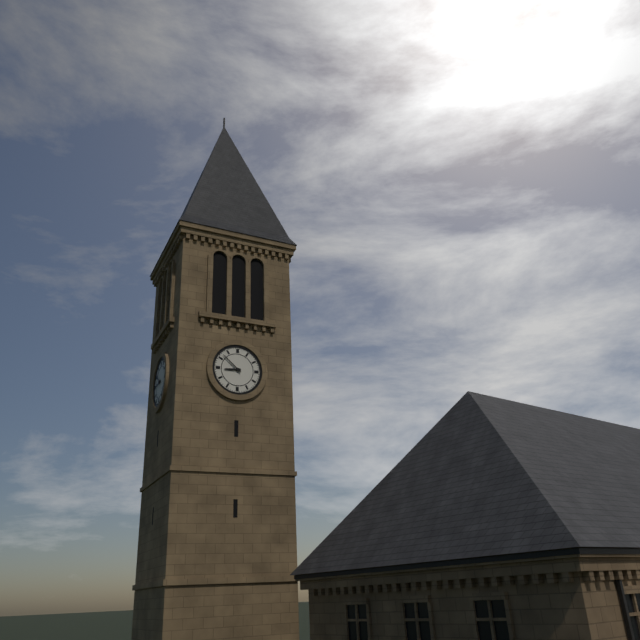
8:52
